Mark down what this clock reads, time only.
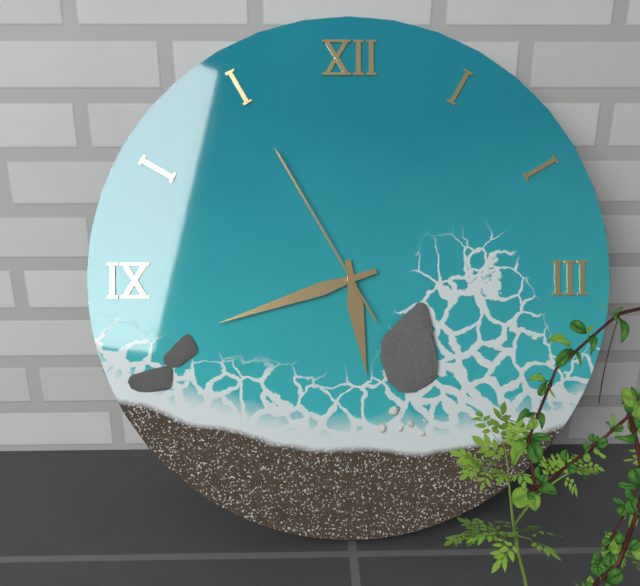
5:42:55
